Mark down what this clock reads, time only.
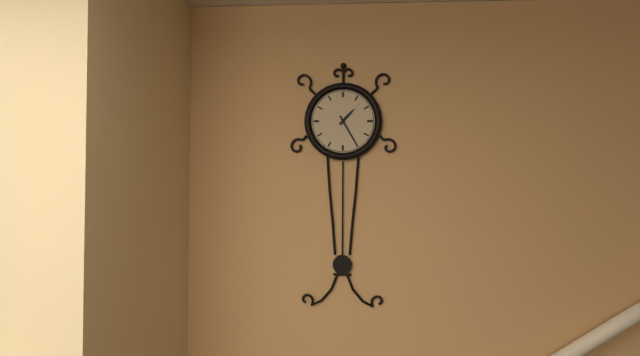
1:25
